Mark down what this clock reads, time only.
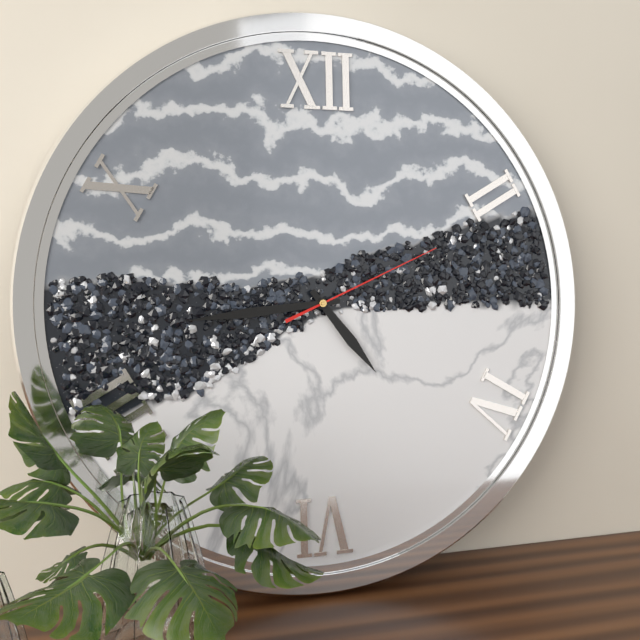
4:44:11
